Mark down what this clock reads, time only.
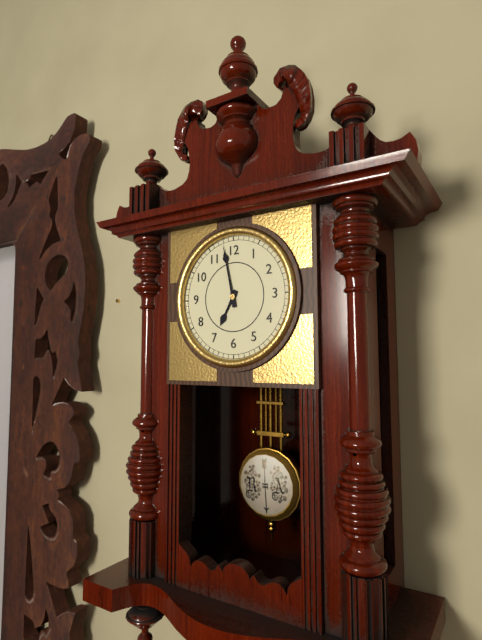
6:58
